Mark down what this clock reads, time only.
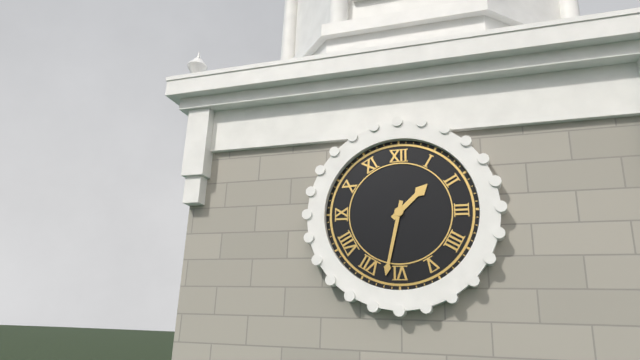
1:32
